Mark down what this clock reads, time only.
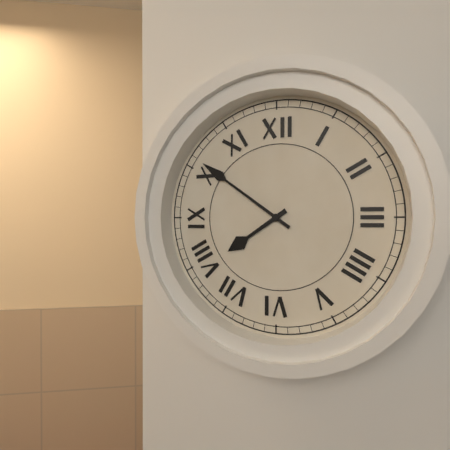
7:51
